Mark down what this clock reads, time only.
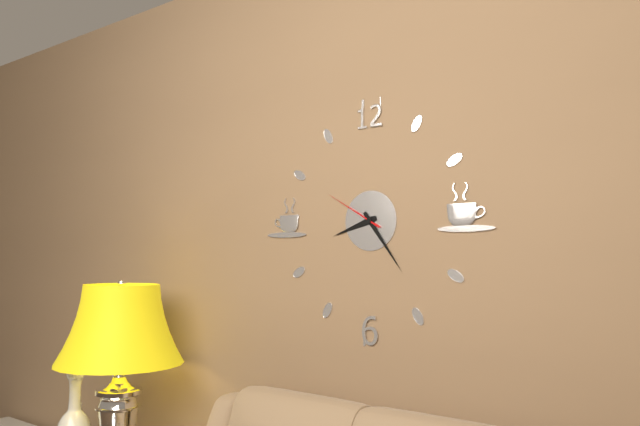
8:24:50
